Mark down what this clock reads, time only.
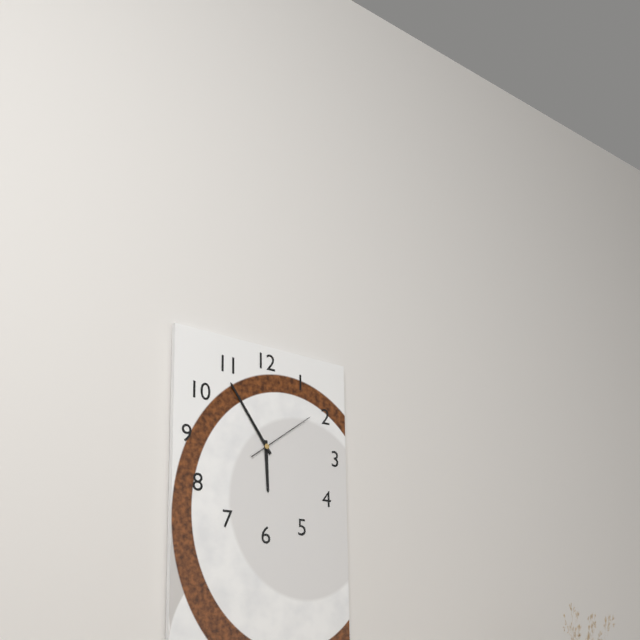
5:54:09
